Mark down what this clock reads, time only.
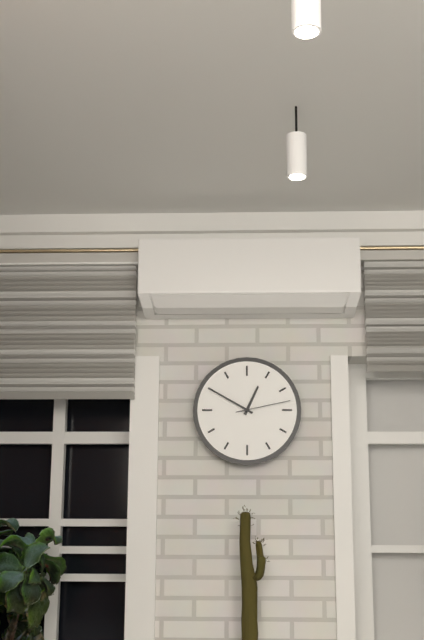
12:50:13
